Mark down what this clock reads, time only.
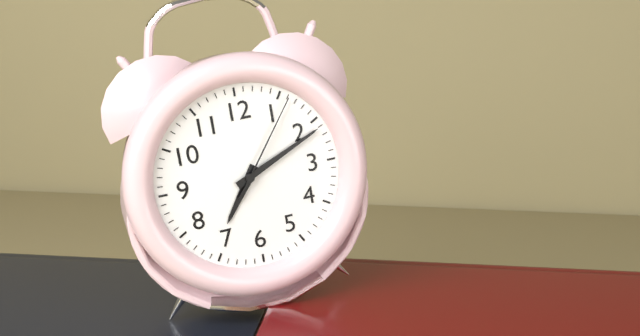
7:11:06
